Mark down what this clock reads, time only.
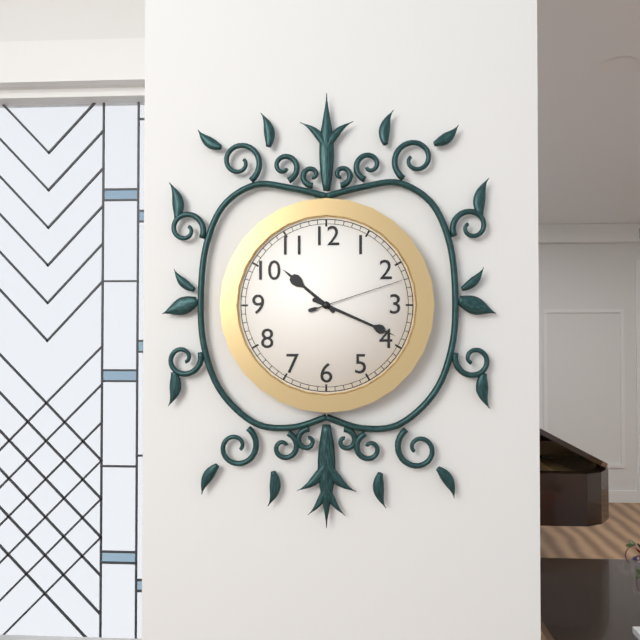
10:19:12
